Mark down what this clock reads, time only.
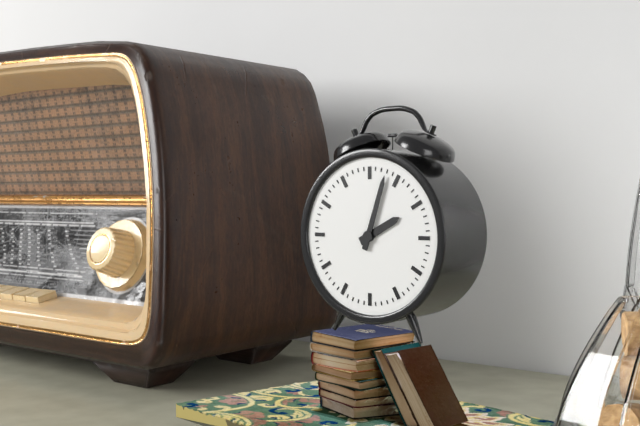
2:03
